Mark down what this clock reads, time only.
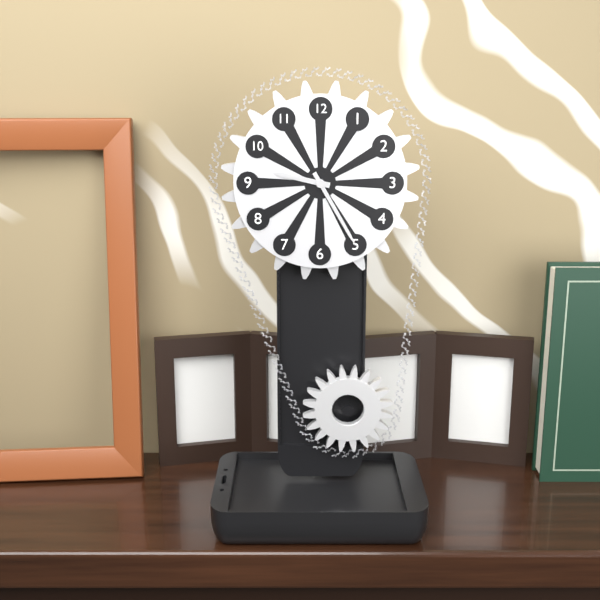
9:25
